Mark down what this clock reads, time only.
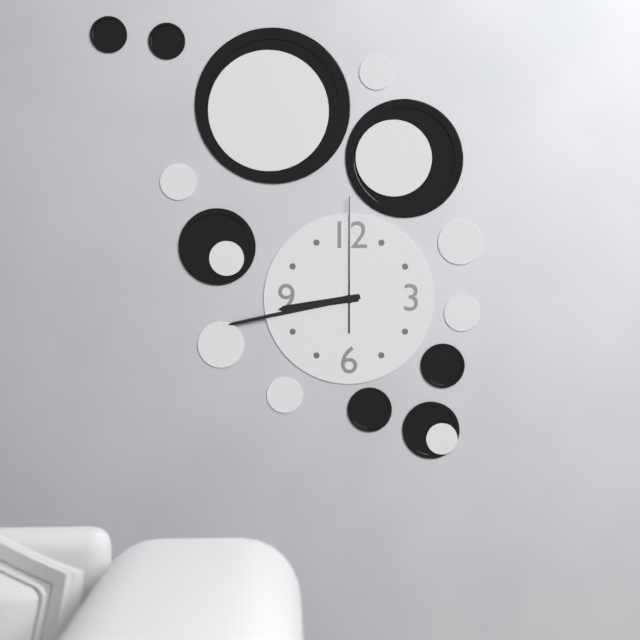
8:43:00
